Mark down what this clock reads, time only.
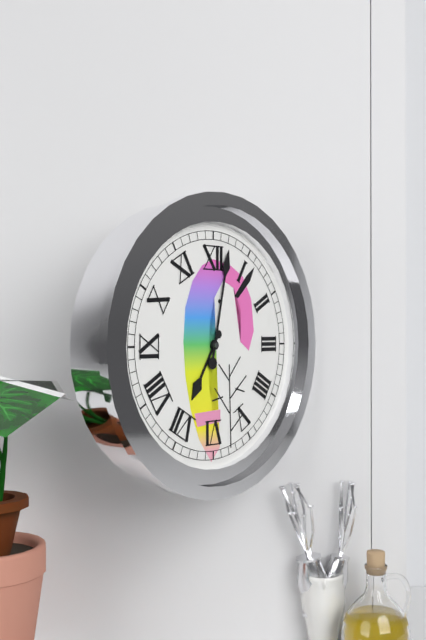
7:02
